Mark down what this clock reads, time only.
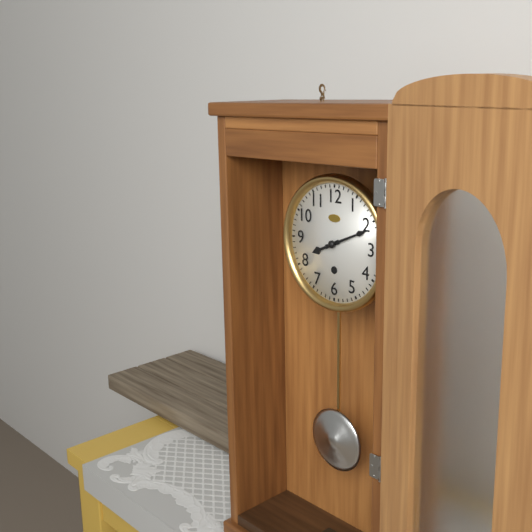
8:11
